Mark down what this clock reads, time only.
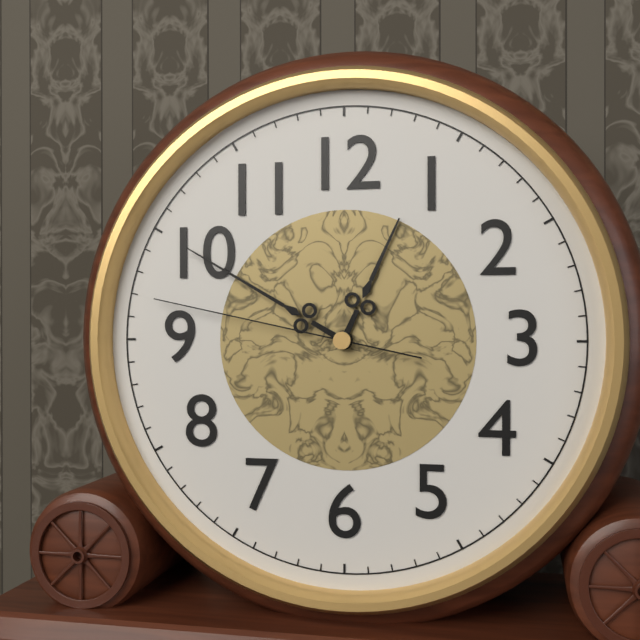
12:50:47
